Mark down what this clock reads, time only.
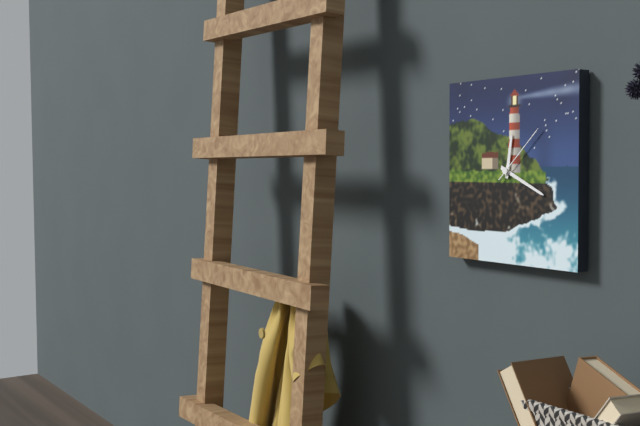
12:19:08
